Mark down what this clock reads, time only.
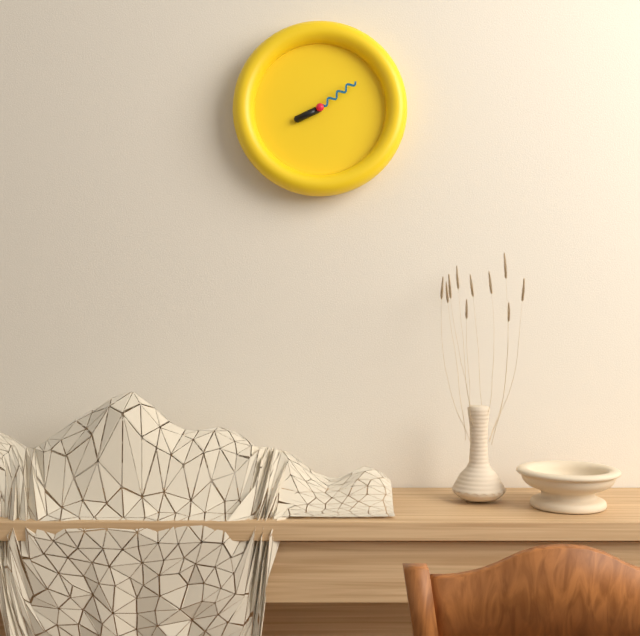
8:09
